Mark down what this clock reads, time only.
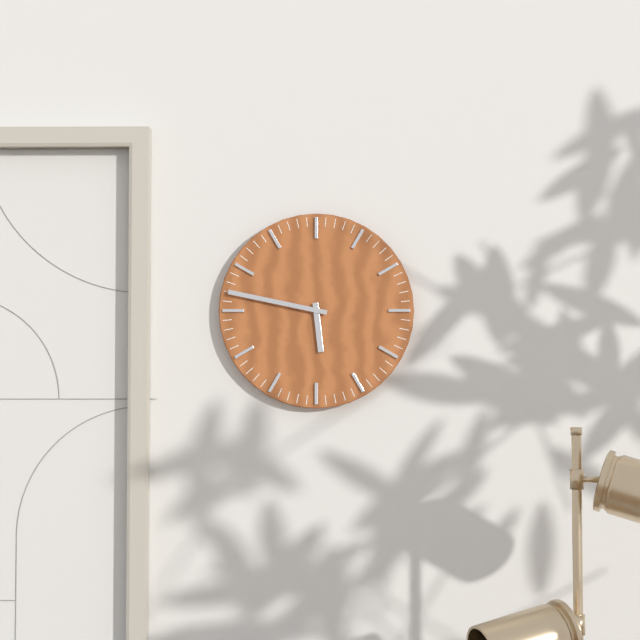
5:47
